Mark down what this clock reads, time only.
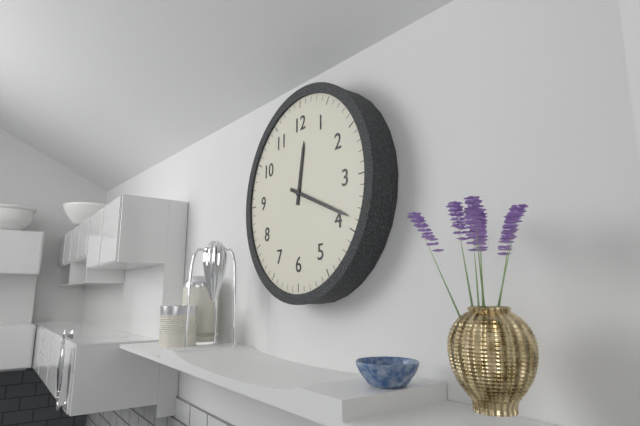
12:19
